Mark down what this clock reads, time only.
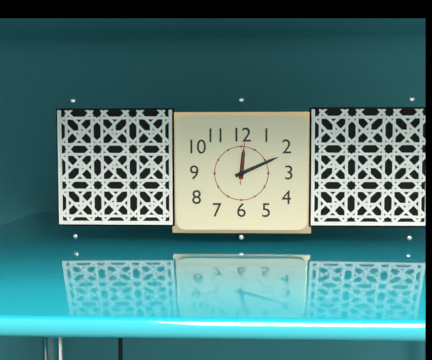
12:11
